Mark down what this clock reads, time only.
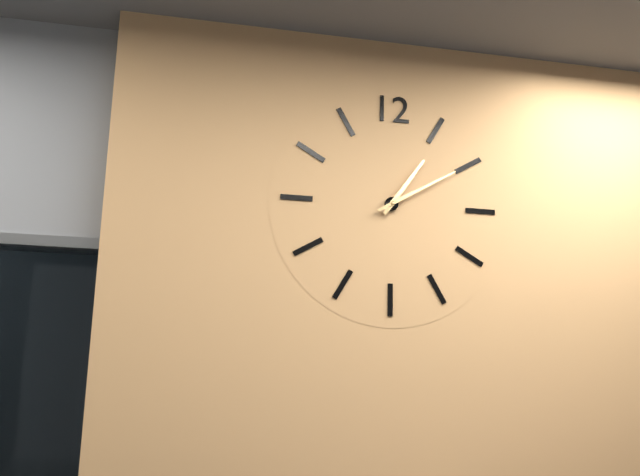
1:10
